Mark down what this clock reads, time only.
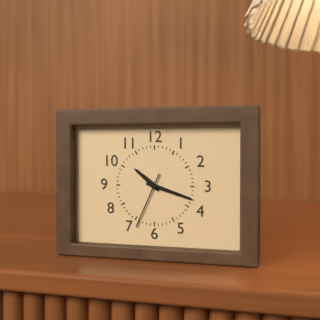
10:18:34
